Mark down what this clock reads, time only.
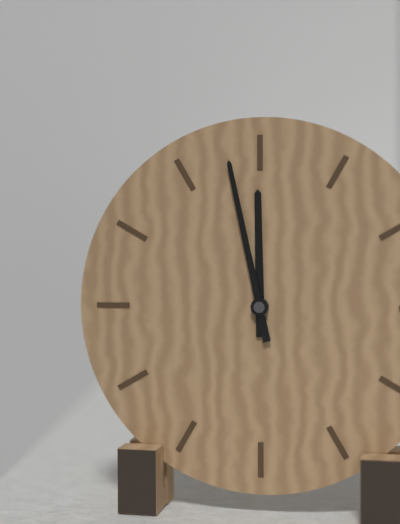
11:58
